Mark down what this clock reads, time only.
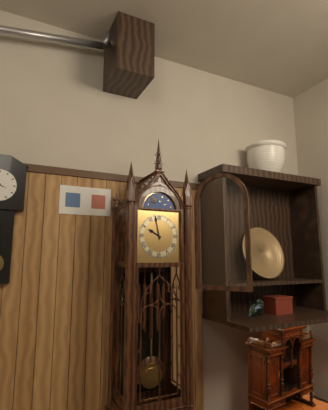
9:58
